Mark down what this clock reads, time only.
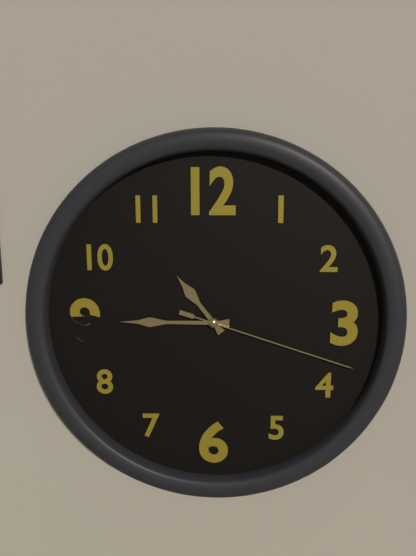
10:45:18
